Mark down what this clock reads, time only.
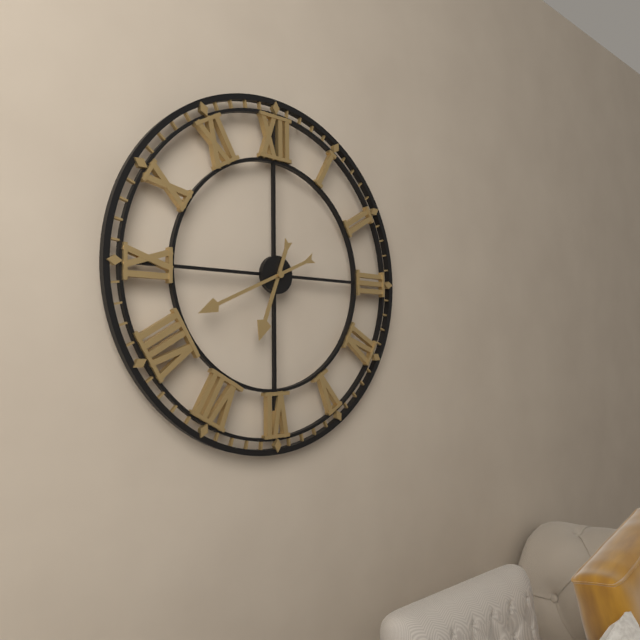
6:41
